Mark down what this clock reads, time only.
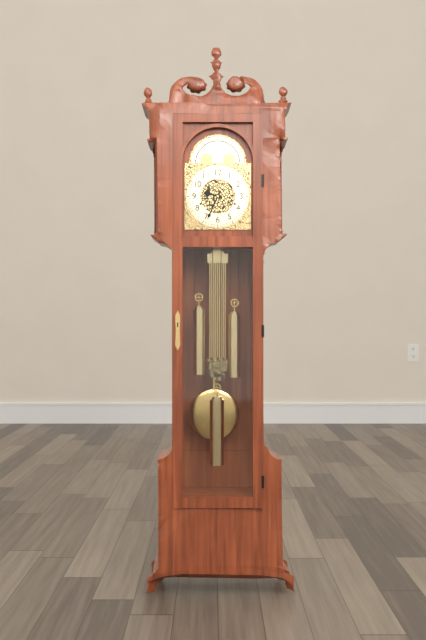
9:34
